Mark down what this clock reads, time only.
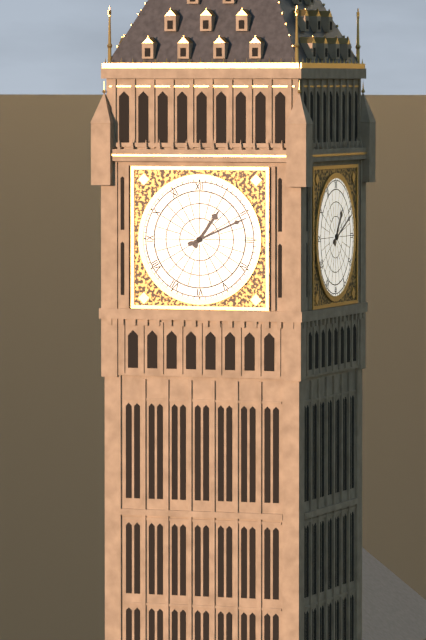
1:11
